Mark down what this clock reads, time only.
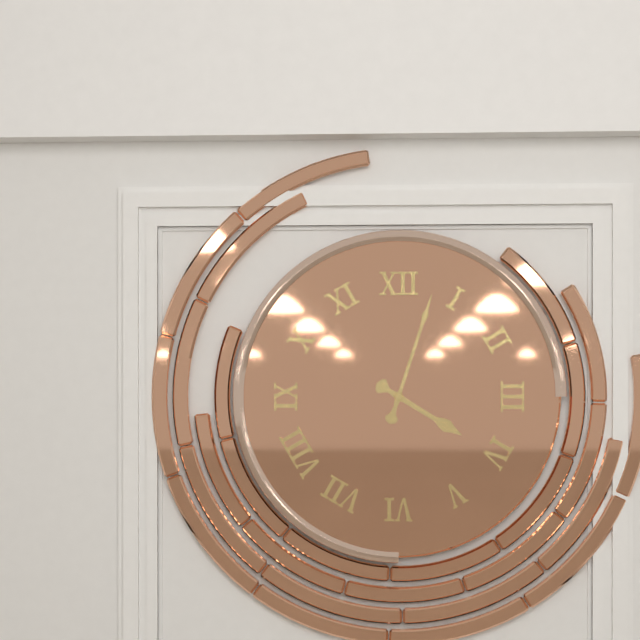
4:03
